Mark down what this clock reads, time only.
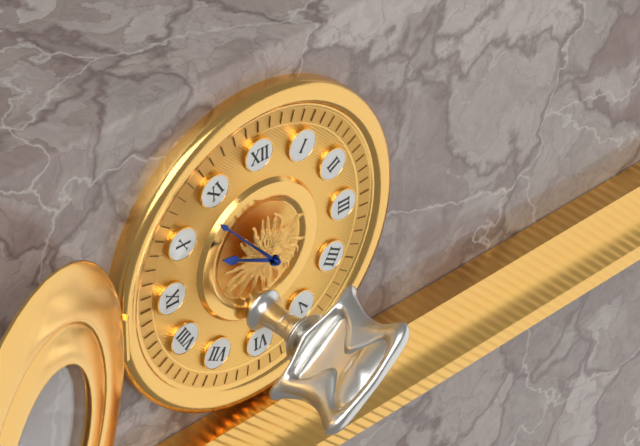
9:53
